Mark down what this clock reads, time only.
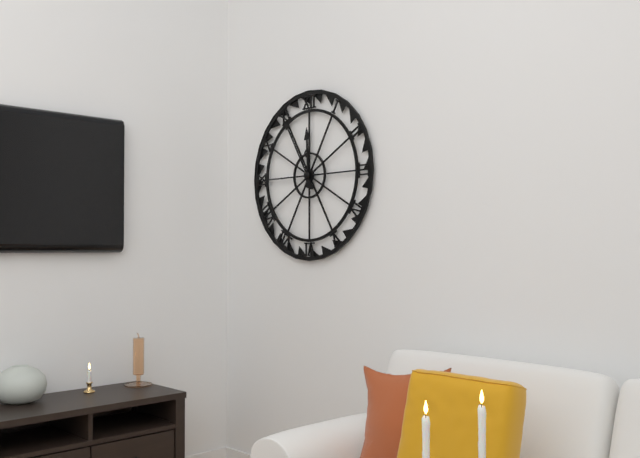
11:55
